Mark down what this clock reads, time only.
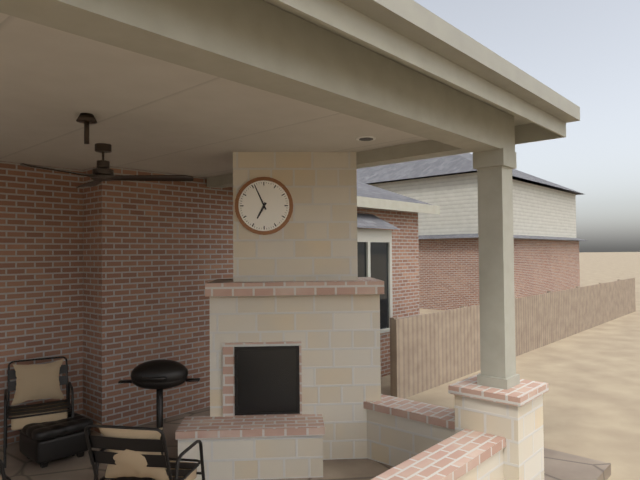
6:56
